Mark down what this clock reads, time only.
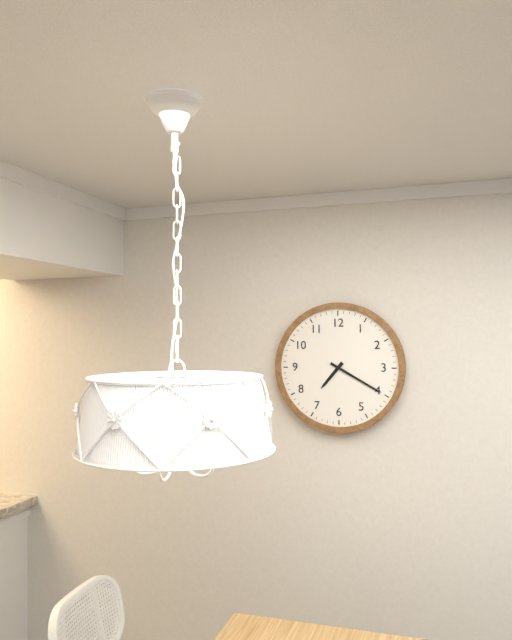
7:20
